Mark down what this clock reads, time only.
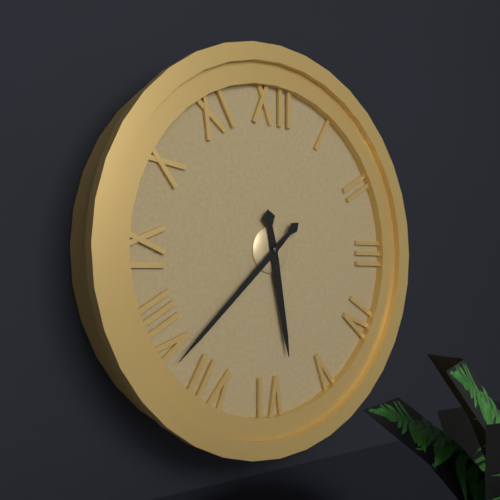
5:38
